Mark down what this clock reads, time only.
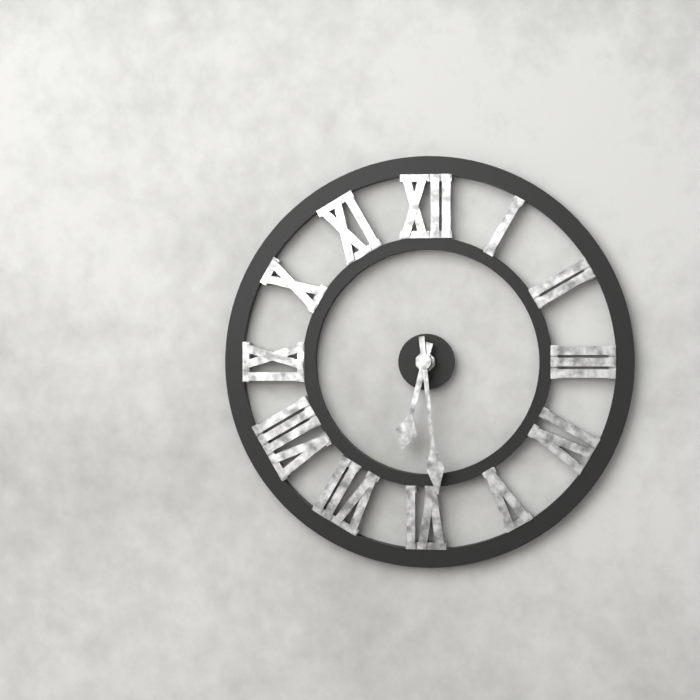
6:29
